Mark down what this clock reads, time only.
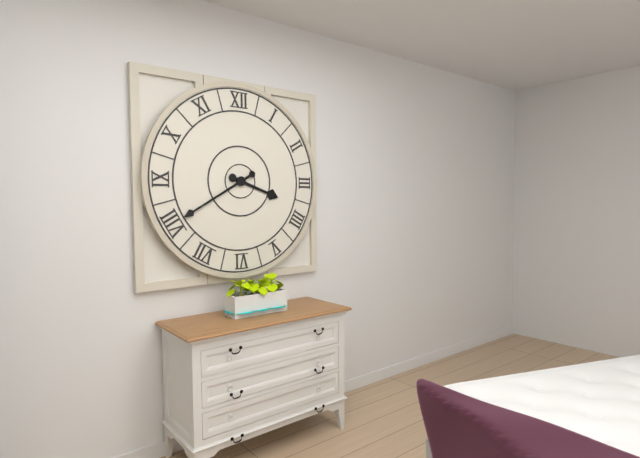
3:40
